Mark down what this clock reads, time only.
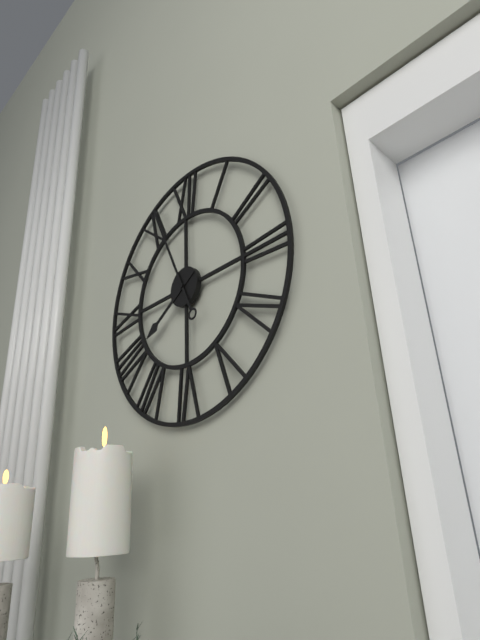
7:56
